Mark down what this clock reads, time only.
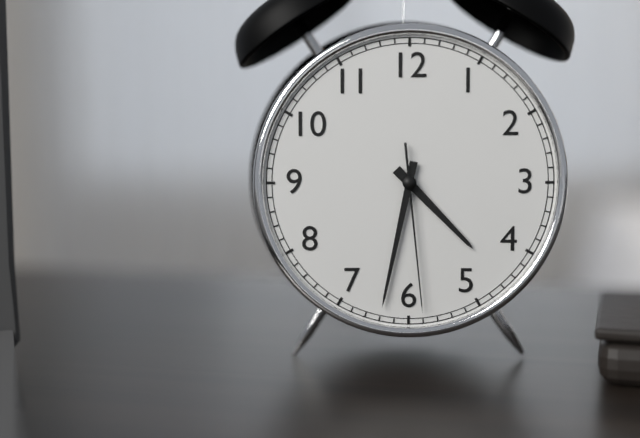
4:32:29
